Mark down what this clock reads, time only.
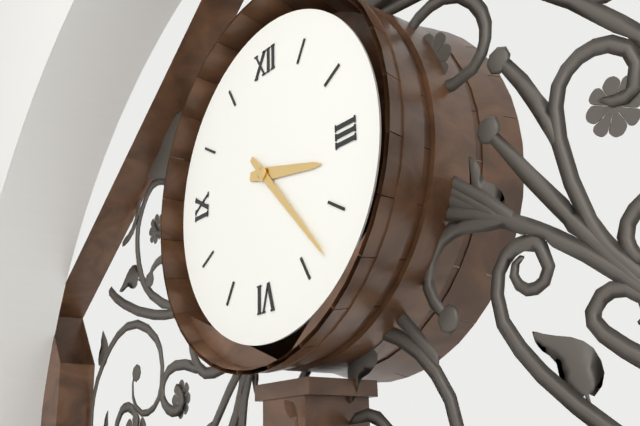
3:23
